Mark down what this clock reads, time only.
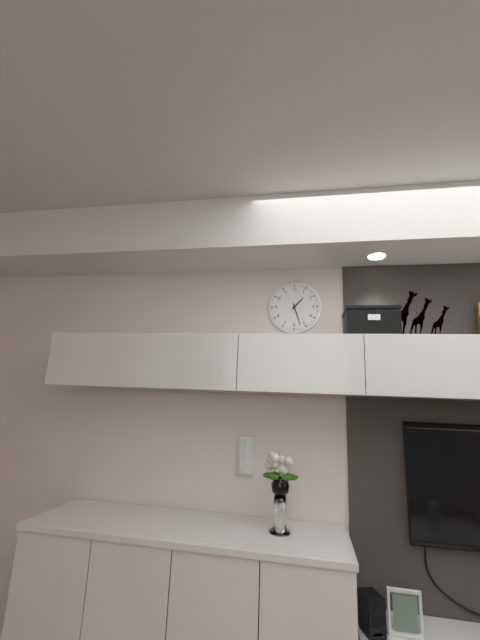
1:27
